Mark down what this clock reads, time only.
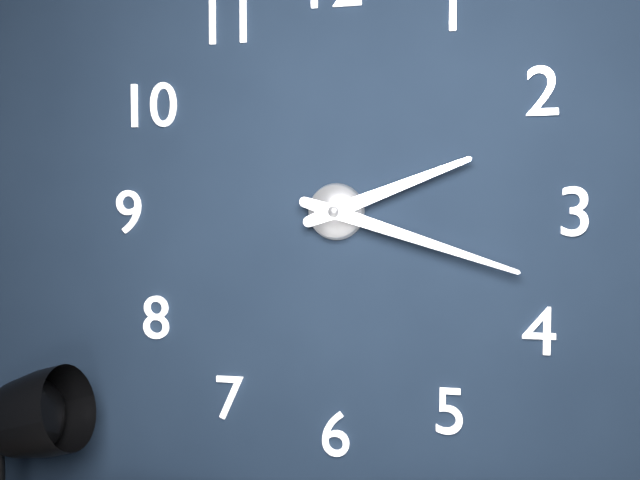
2:18
